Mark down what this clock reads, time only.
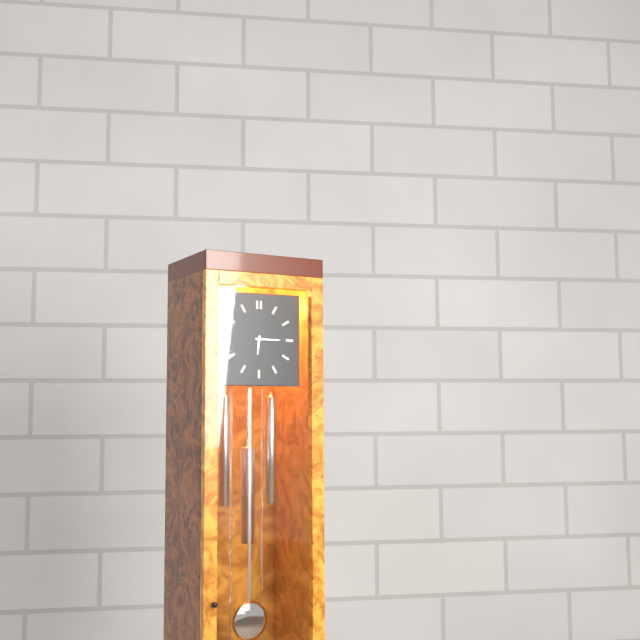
6:15
